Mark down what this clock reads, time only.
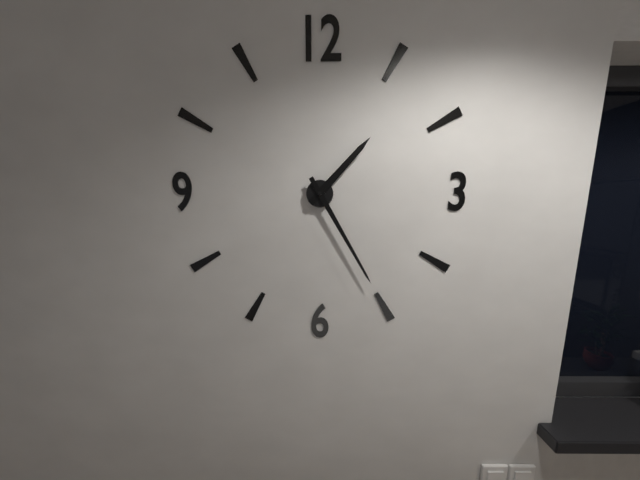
1:25
